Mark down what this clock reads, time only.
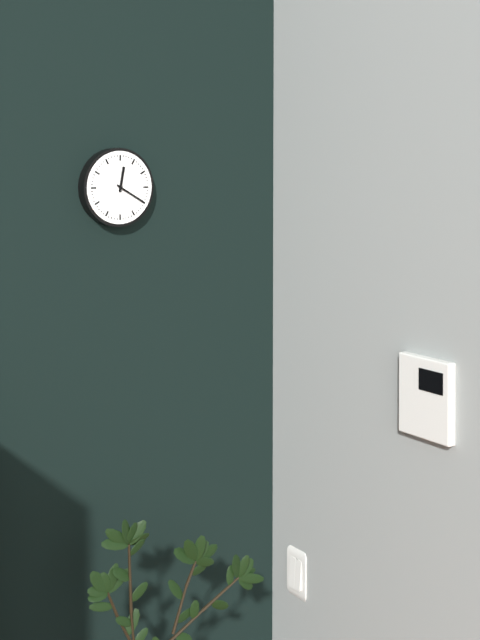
12:20
